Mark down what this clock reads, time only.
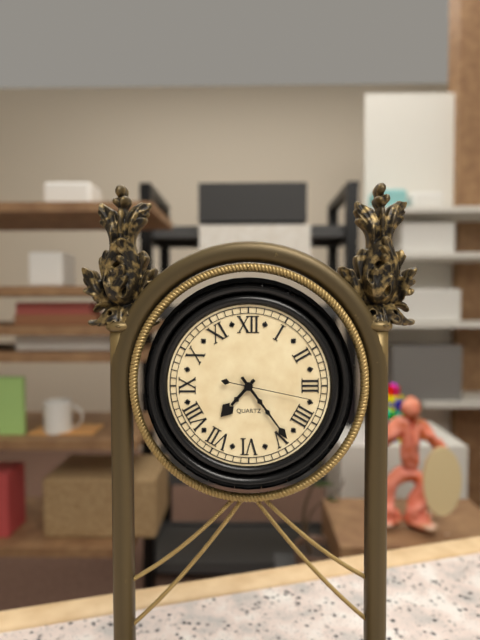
7:24:17
